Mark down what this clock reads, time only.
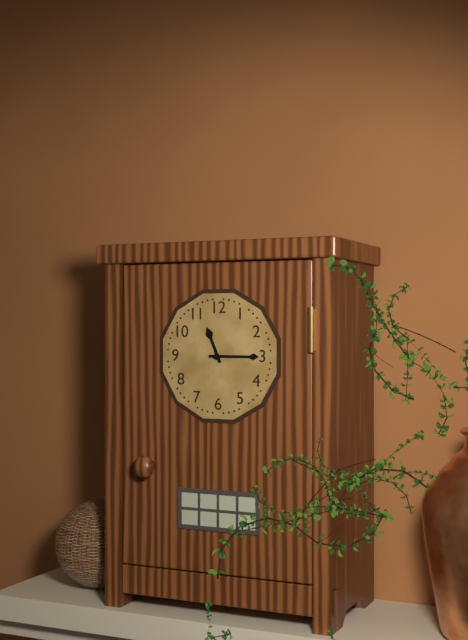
11:15
